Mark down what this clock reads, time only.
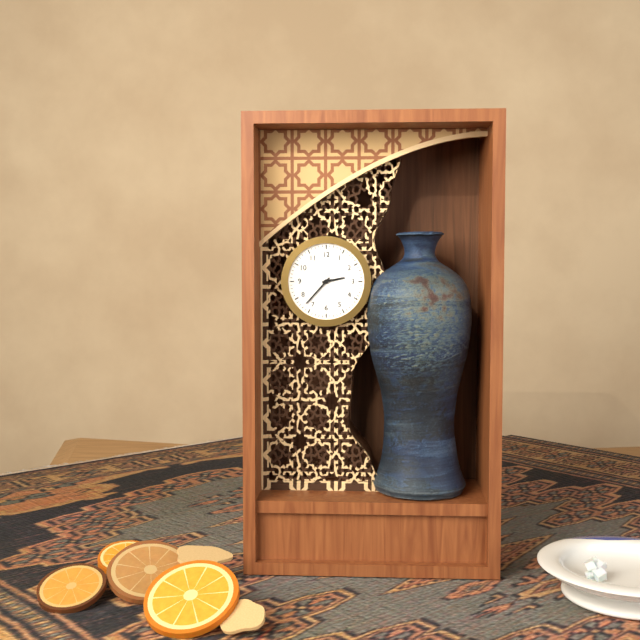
2:37
